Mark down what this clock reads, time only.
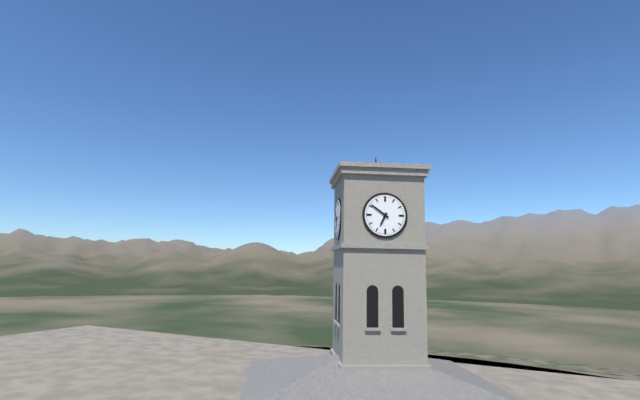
6:51
